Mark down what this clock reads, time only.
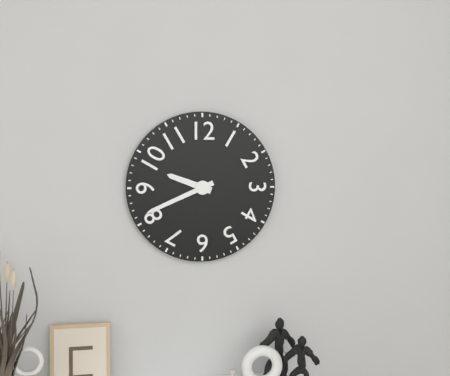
9:41
